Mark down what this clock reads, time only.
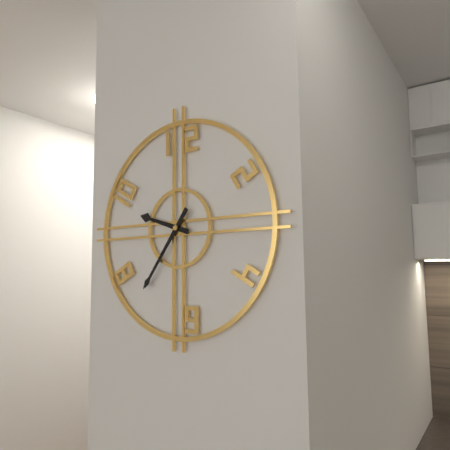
9:36
